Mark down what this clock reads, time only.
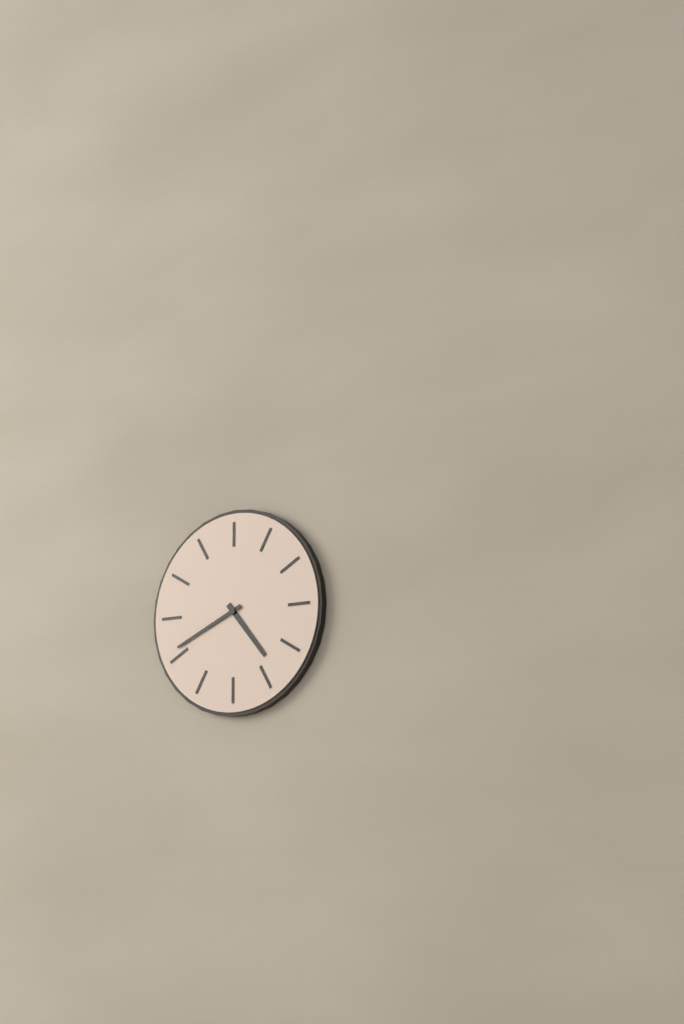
4:41
